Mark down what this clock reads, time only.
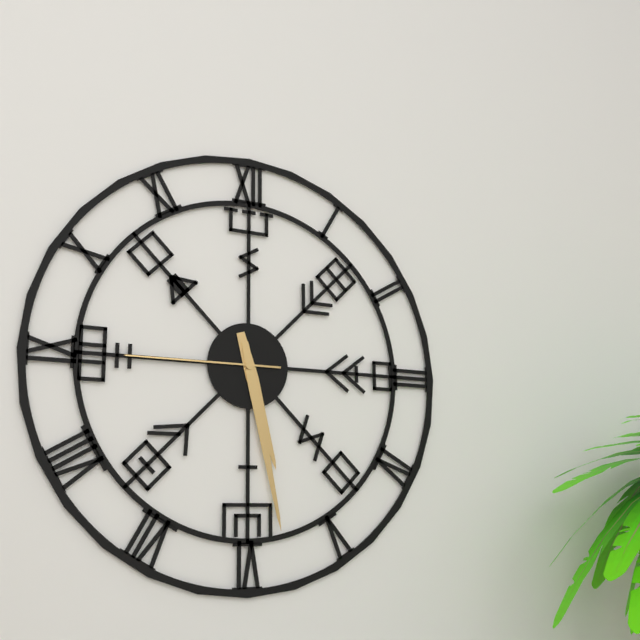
5:28:45
